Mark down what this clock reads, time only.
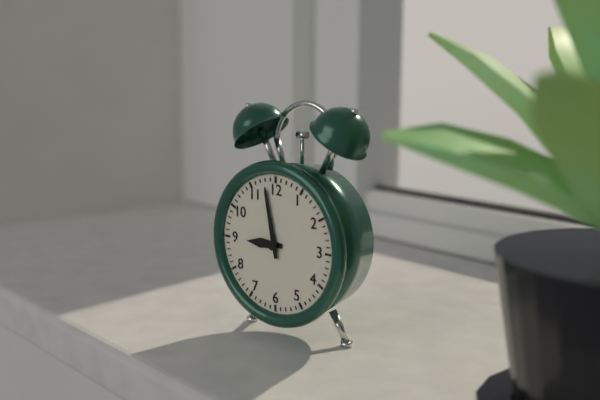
8:58
